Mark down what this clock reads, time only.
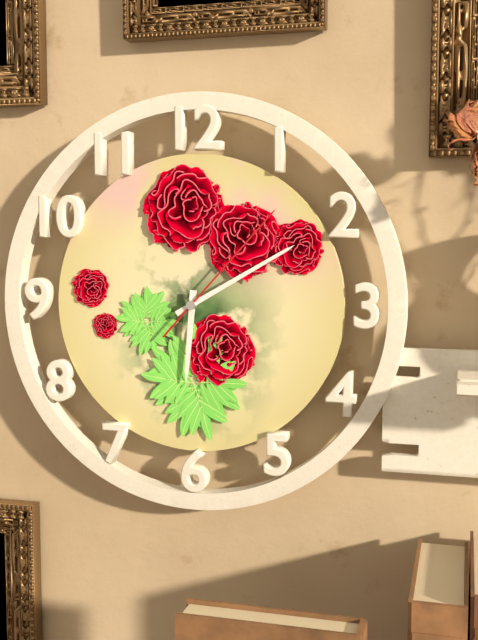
6:10:07
